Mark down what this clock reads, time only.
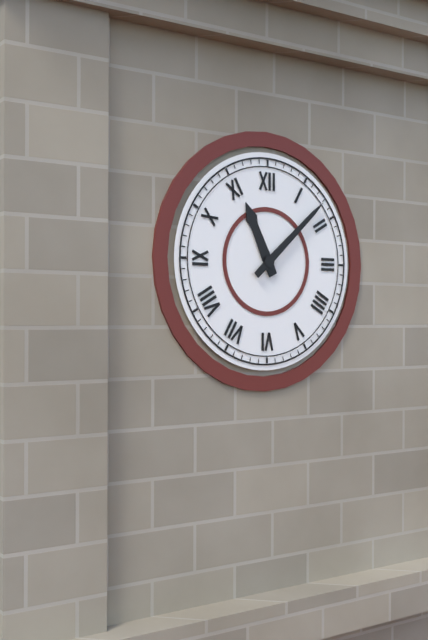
11:08
